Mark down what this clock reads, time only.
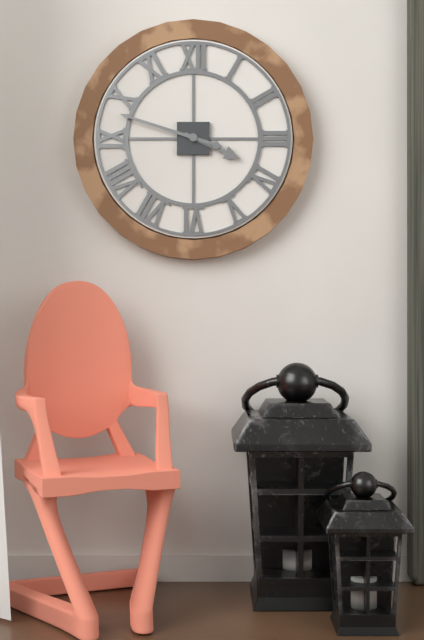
3:48
